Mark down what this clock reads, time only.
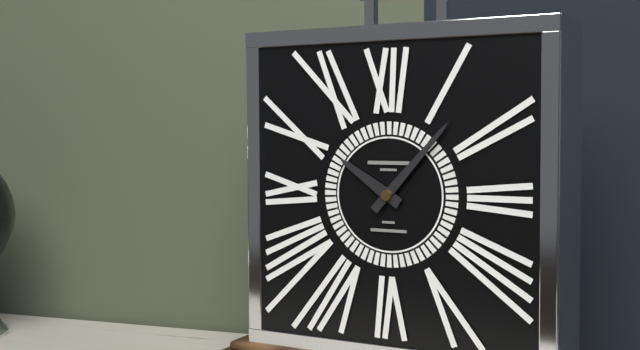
10:07
